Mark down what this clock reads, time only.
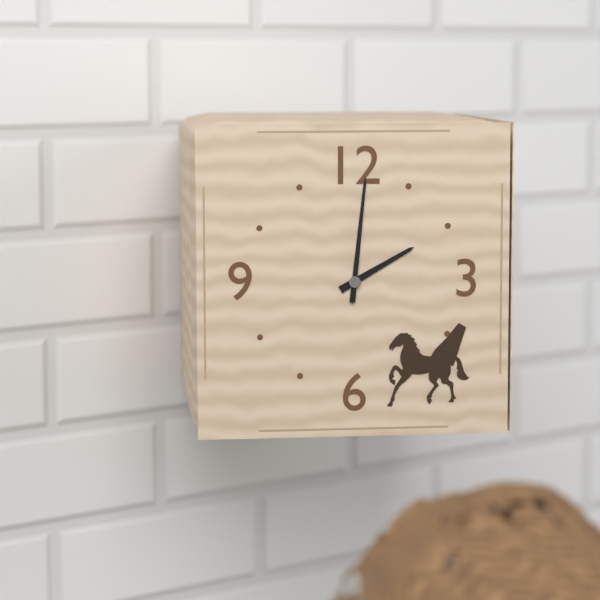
2:01
